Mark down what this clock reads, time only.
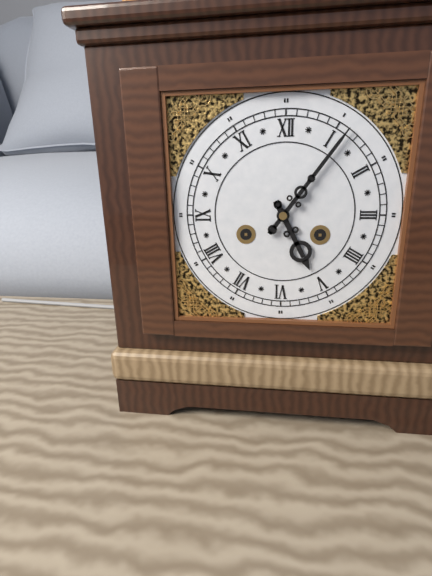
5:06
